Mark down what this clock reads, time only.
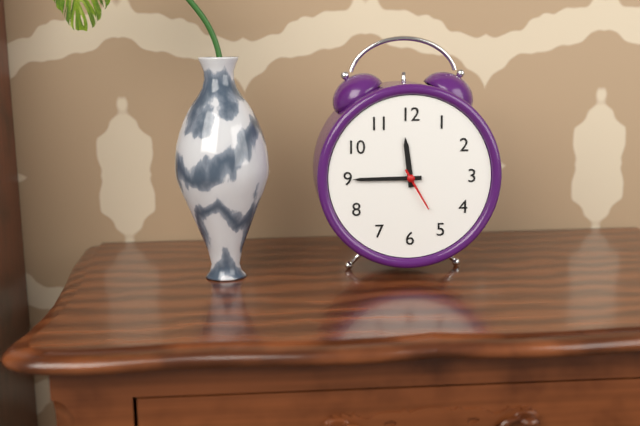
11:45
